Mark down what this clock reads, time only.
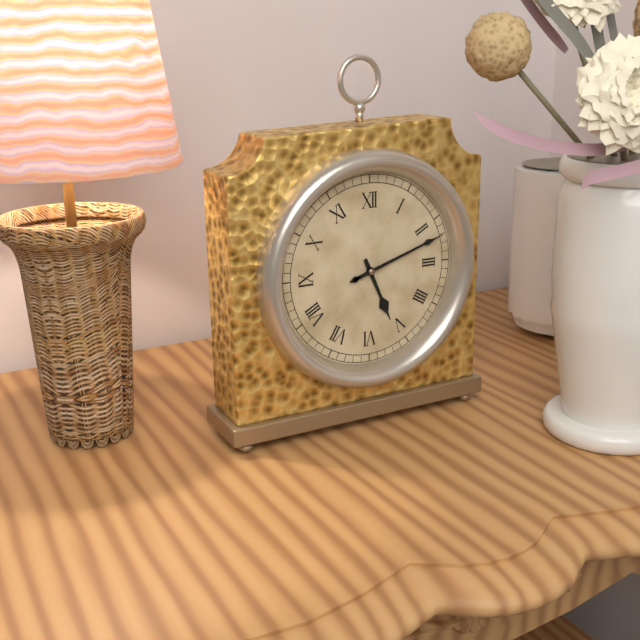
5:12
